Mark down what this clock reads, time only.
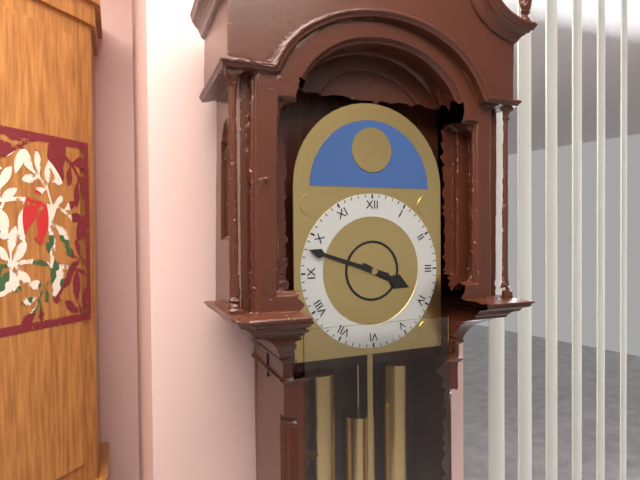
3:48
